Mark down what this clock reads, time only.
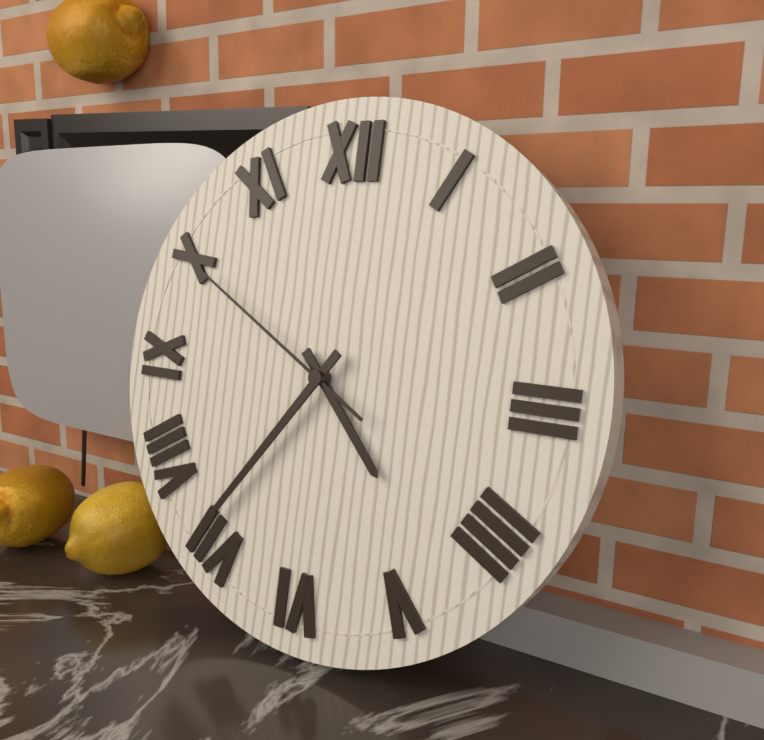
4:36:50
